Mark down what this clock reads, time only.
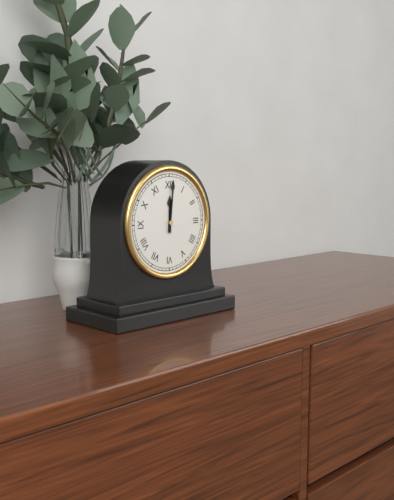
12:01
